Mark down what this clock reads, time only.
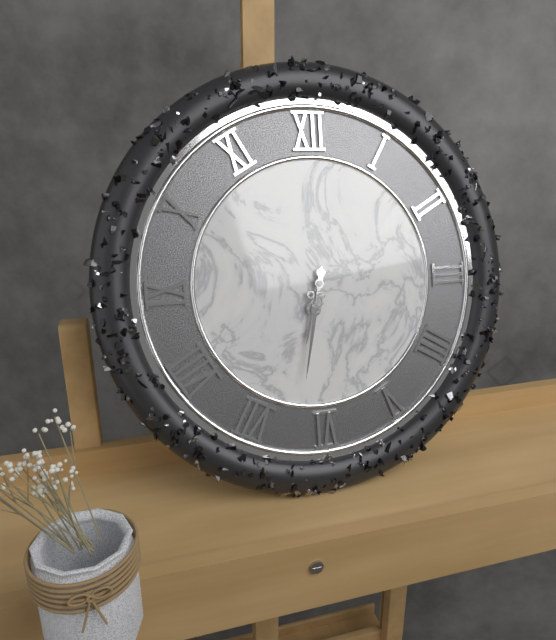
6:32
